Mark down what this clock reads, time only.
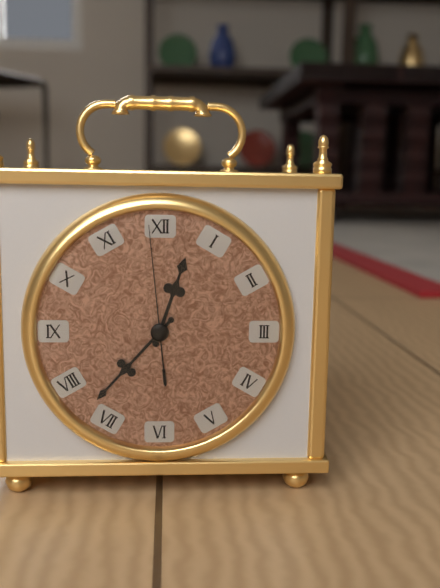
12:37:59
